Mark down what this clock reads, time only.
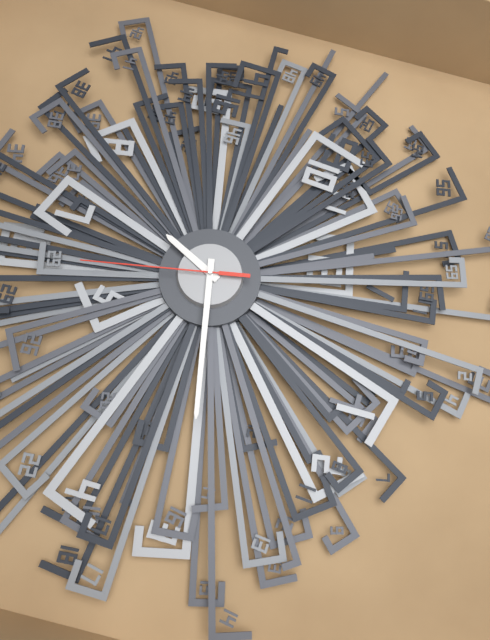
7:15:30
